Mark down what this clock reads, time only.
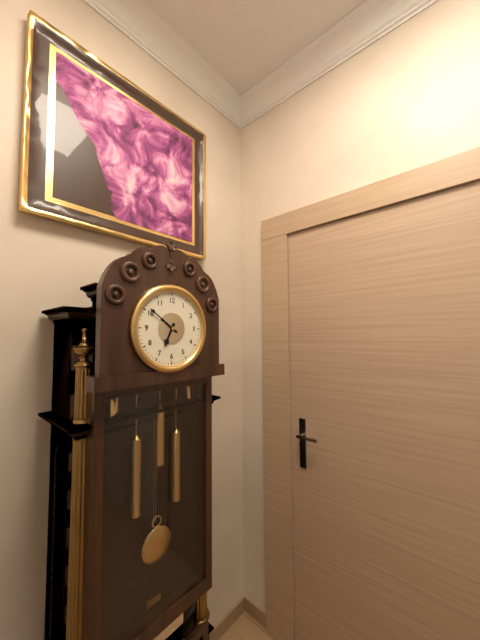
6:51
